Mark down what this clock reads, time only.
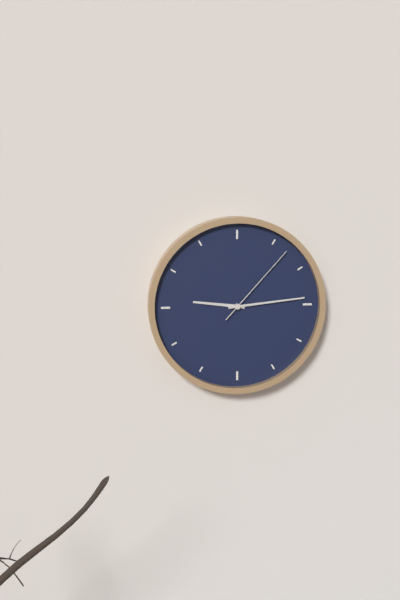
9:14:07
